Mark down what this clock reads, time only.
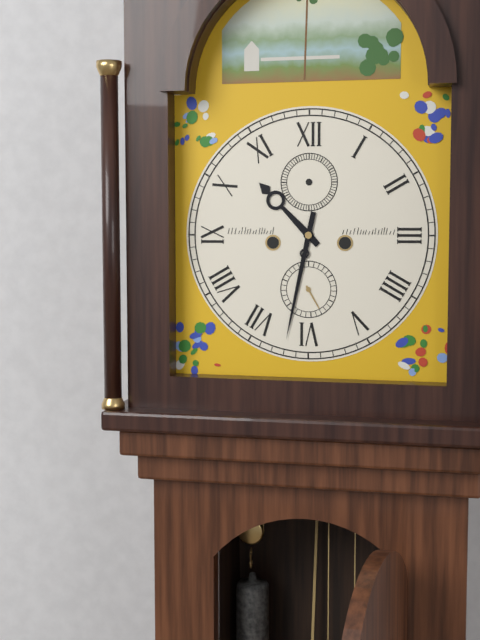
10:32
